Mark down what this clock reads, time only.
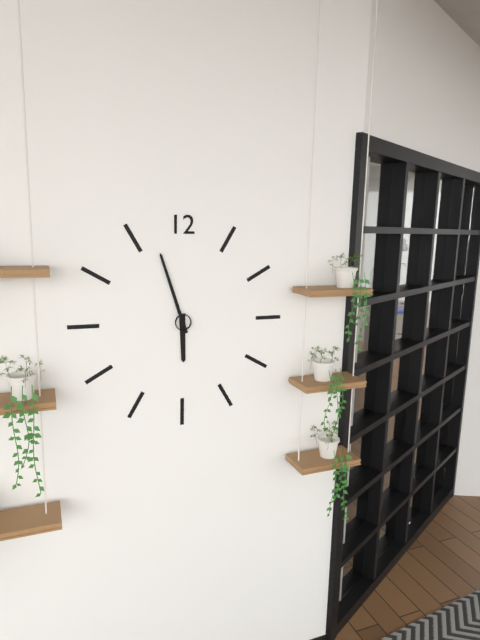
5:57
